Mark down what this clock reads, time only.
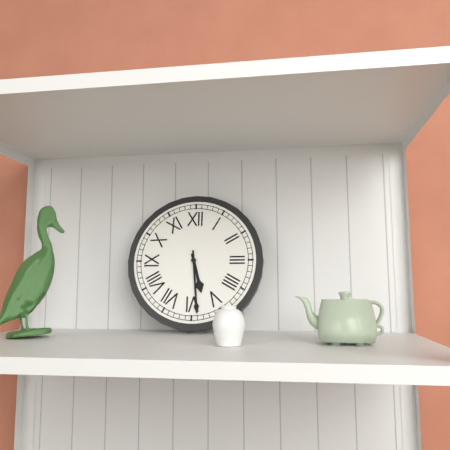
5:29
